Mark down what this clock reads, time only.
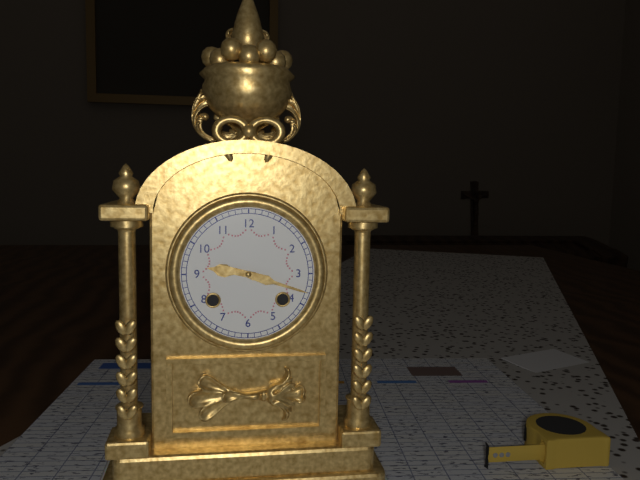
9:18
